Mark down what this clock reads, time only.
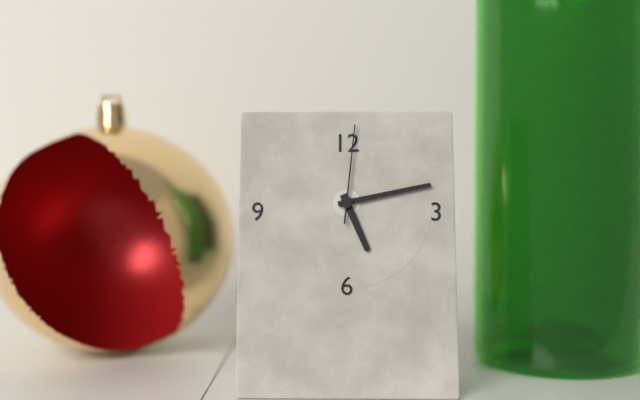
5:13:01
